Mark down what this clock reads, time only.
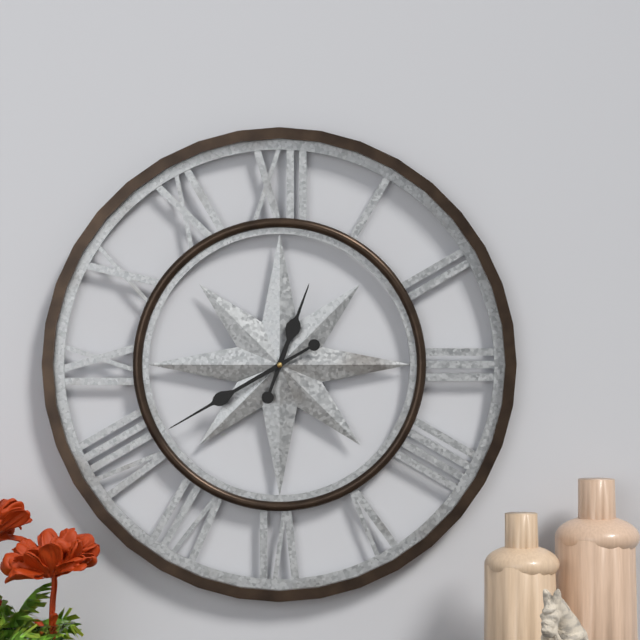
12:40
